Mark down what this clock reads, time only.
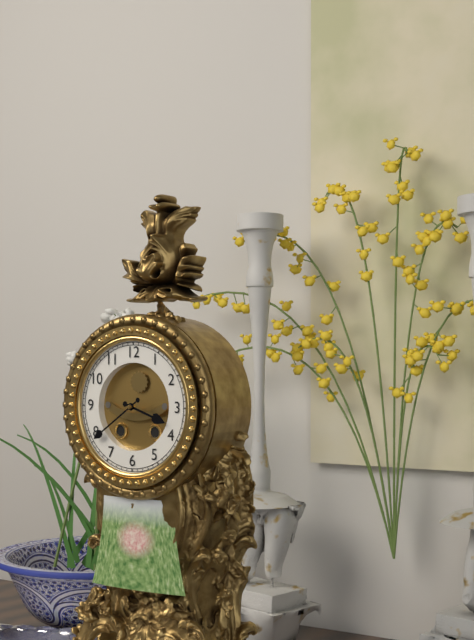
3:39
